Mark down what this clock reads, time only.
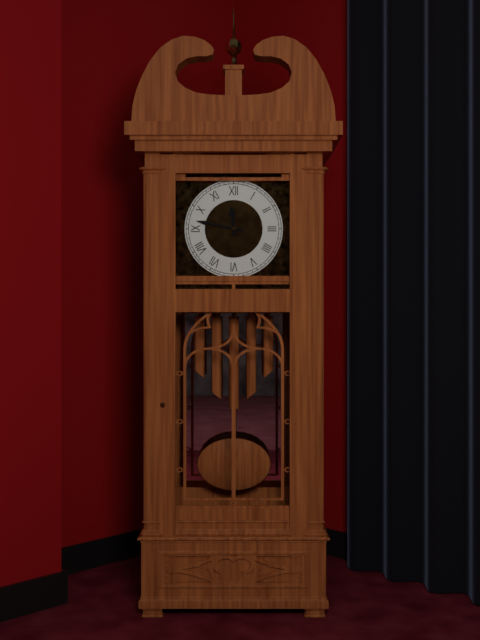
11:47
